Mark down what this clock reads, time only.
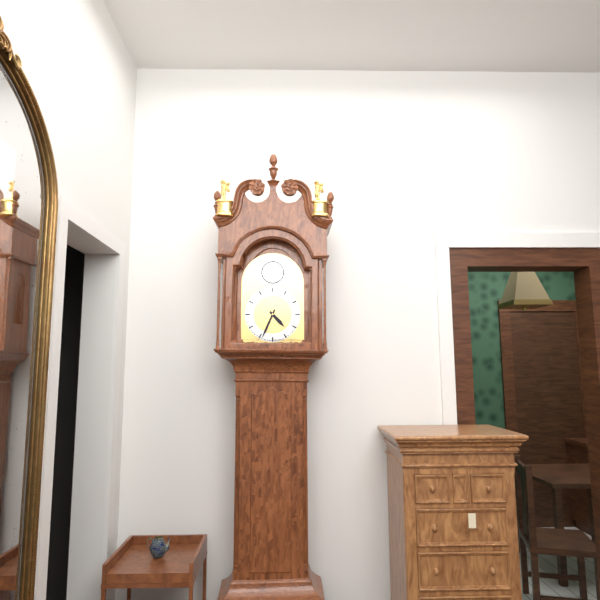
4:34
